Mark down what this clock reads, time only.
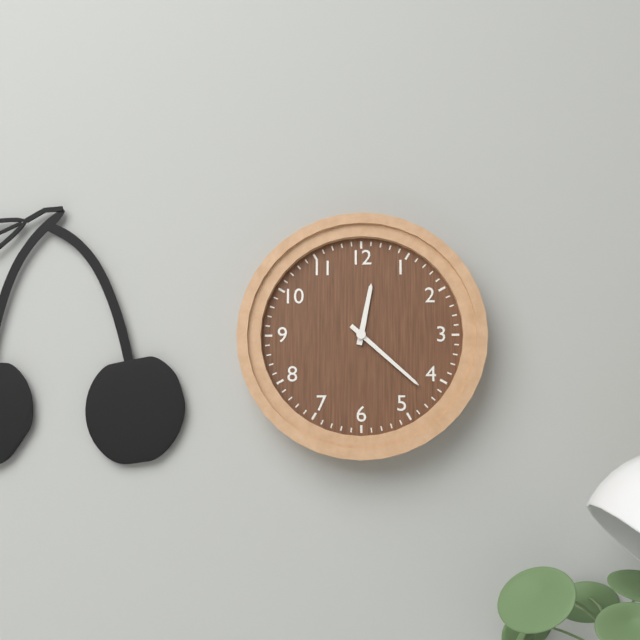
12:22
